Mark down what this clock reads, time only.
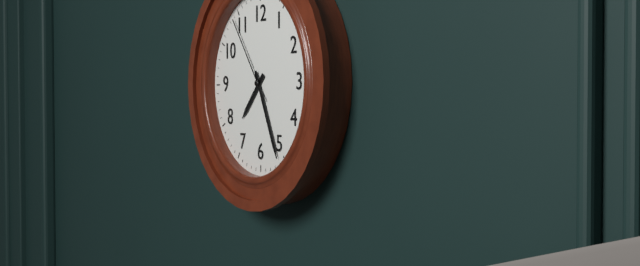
7:26:54
